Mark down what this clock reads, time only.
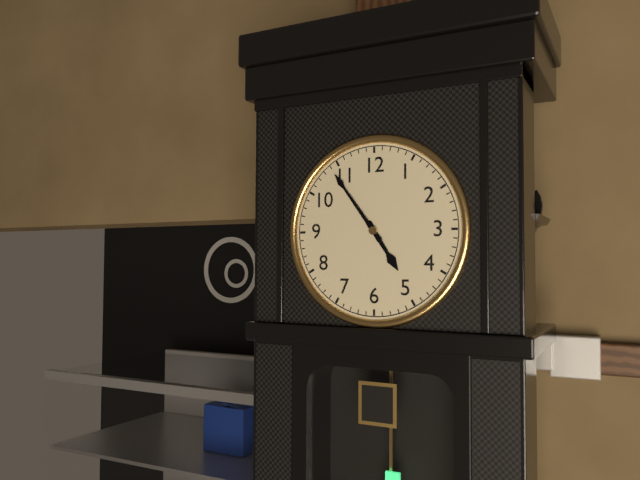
4:54
